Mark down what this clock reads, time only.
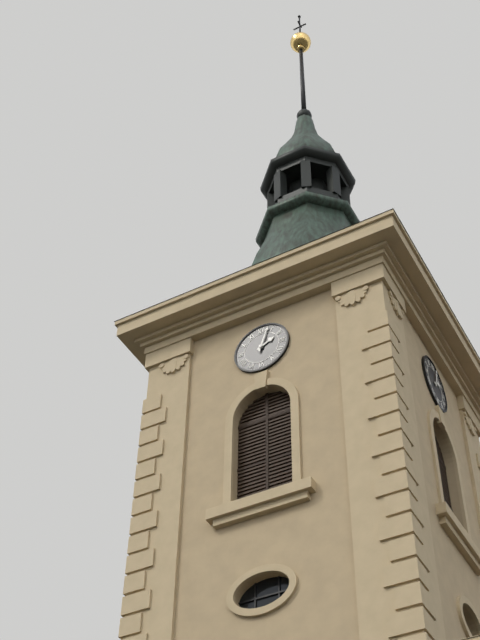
2:03
